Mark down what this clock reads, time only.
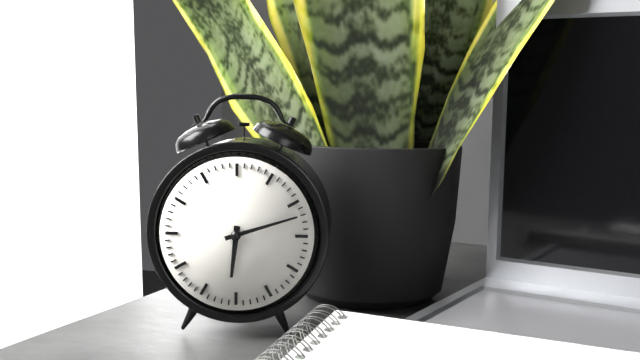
6:12
